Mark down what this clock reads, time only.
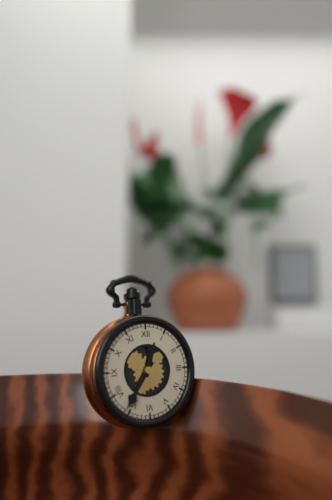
12:36
